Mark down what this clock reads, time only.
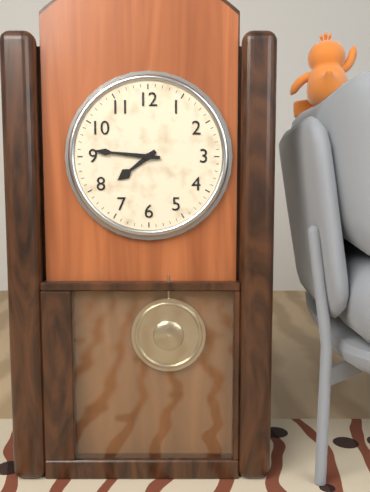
7:46
